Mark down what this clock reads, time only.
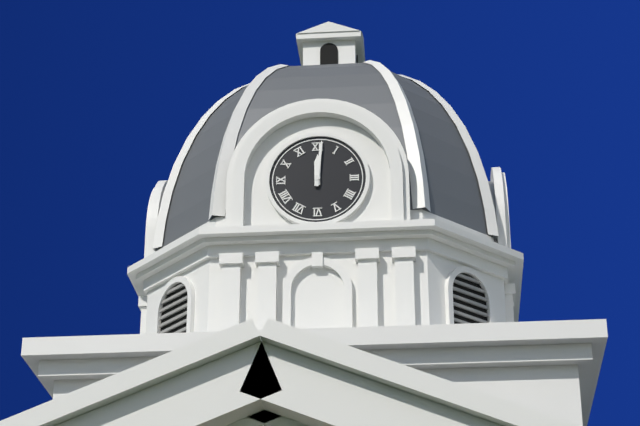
12:01
